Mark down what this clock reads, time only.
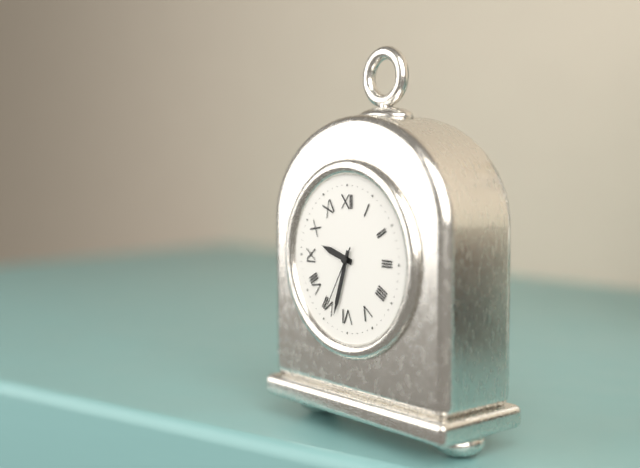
9:33:35
